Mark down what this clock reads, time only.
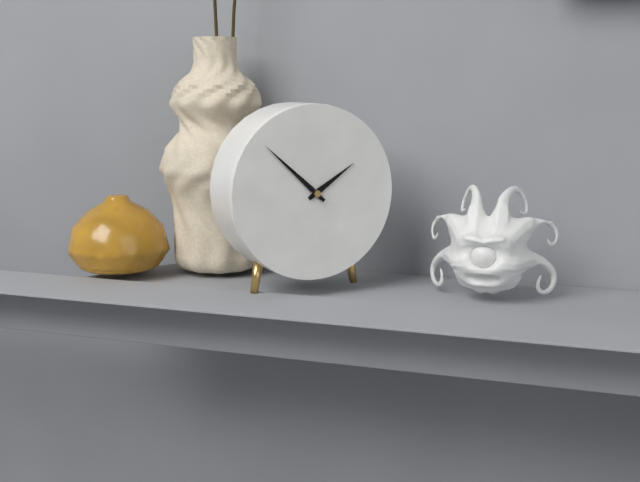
1:52
